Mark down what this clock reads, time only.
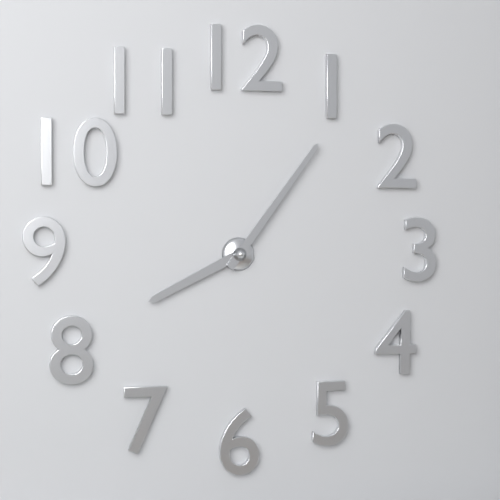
8:06
